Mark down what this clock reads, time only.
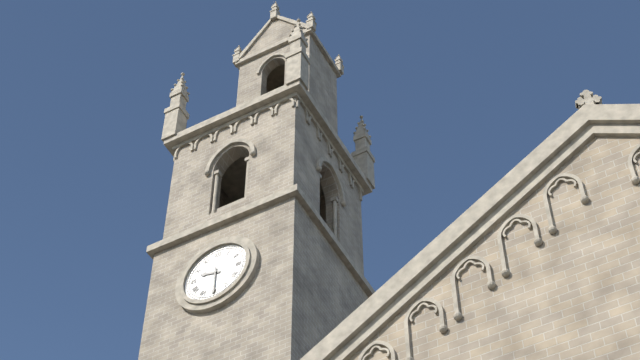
9:30
